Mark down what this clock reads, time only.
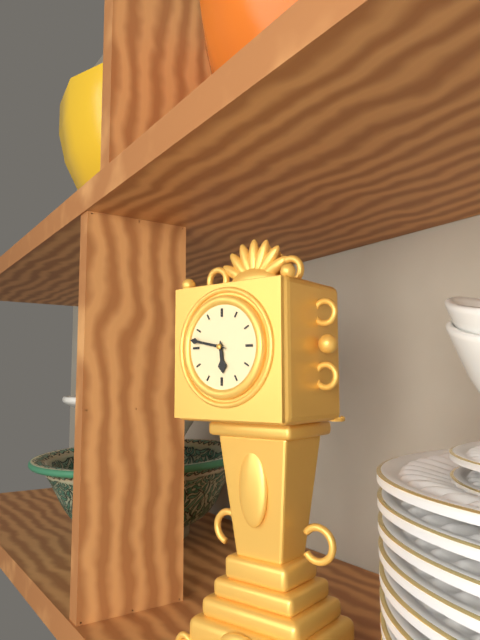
5:47
